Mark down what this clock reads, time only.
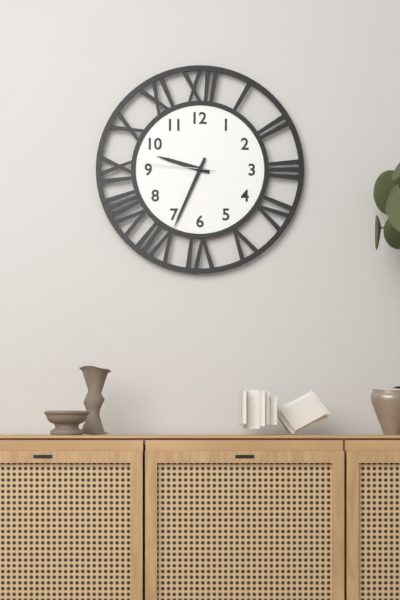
9:34:46
